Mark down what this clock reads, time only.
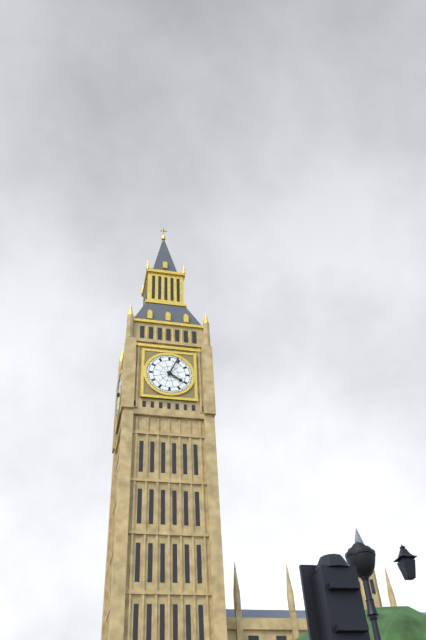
4:04
